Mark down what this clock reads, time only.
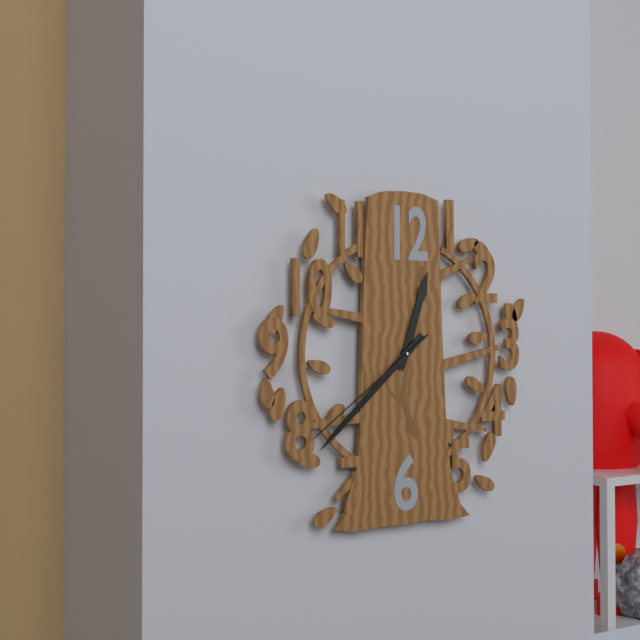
12:38:39
